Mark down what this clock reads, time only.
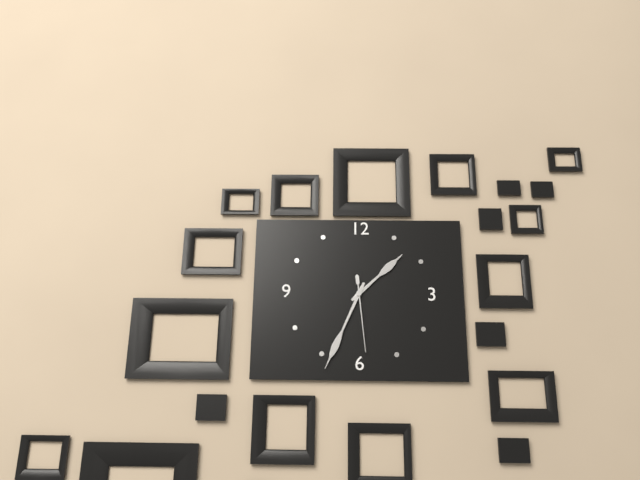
1:34:29
